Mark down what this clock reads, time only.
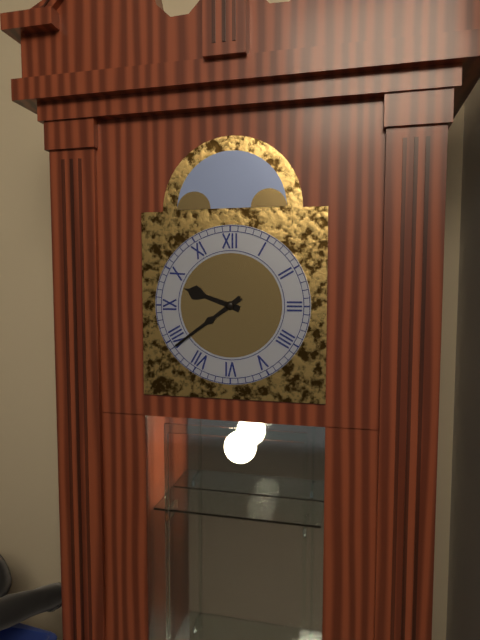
9:39
